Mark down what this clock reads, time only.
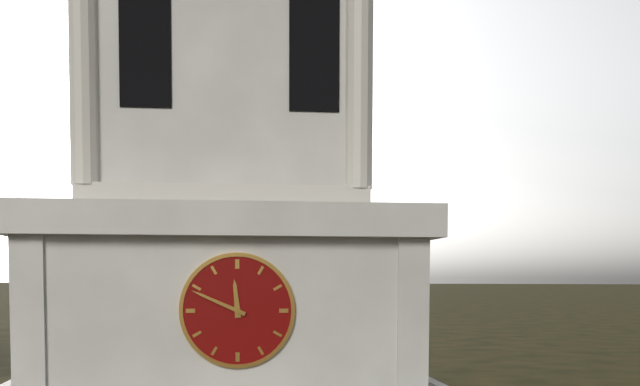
11:49
